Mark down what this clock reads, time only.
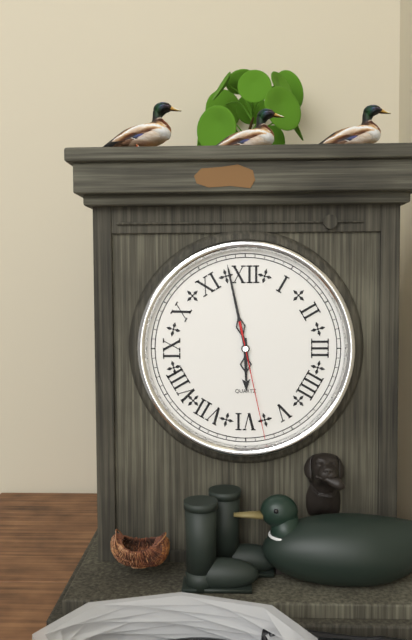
5:58:28
